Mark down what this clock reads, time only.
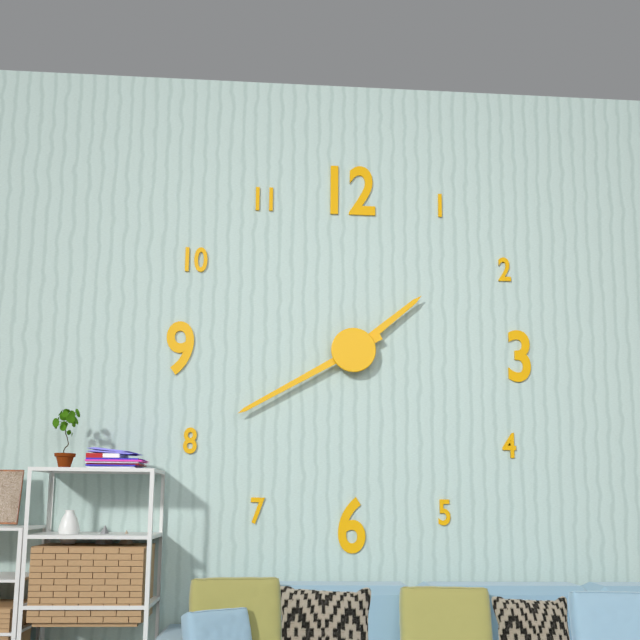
1:40
